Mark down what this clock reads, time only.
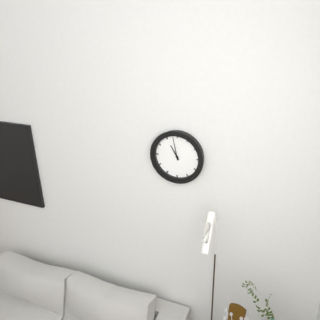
10:58
